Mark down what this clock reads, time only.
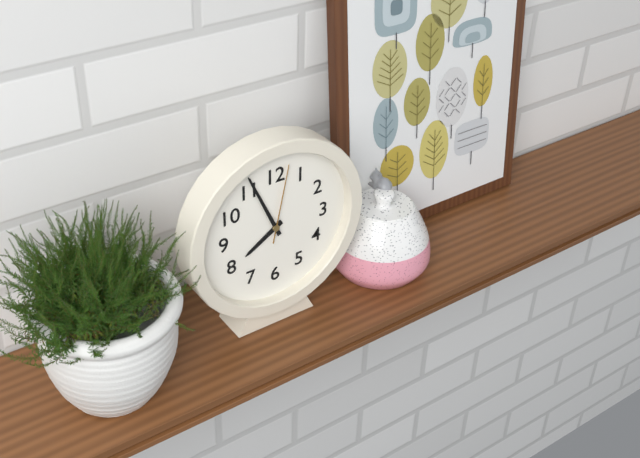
7:56:02
